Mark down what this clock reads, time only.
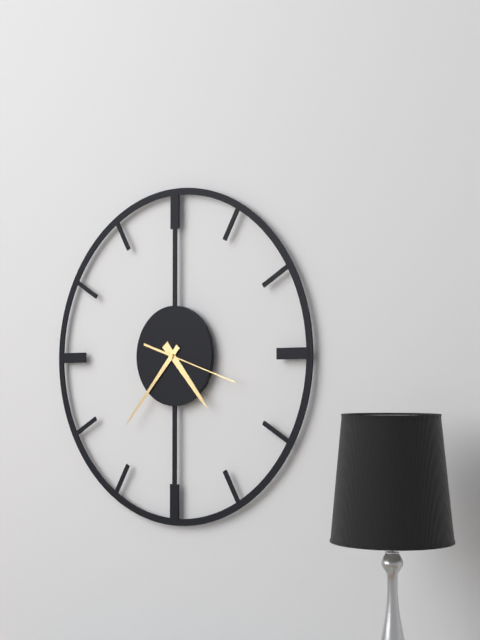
4:37:18
